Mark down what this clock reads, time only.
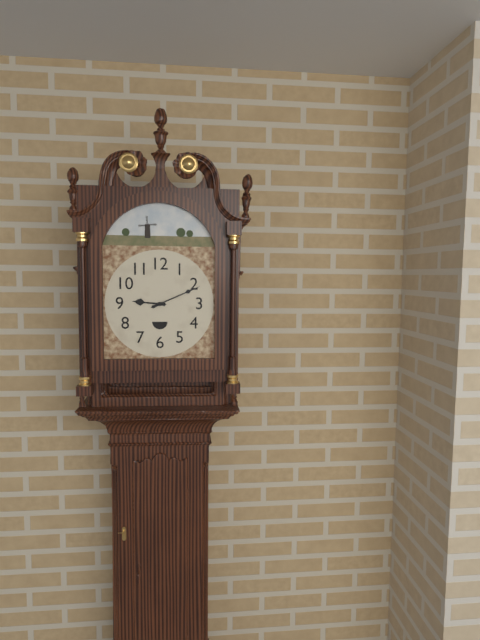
9:11
